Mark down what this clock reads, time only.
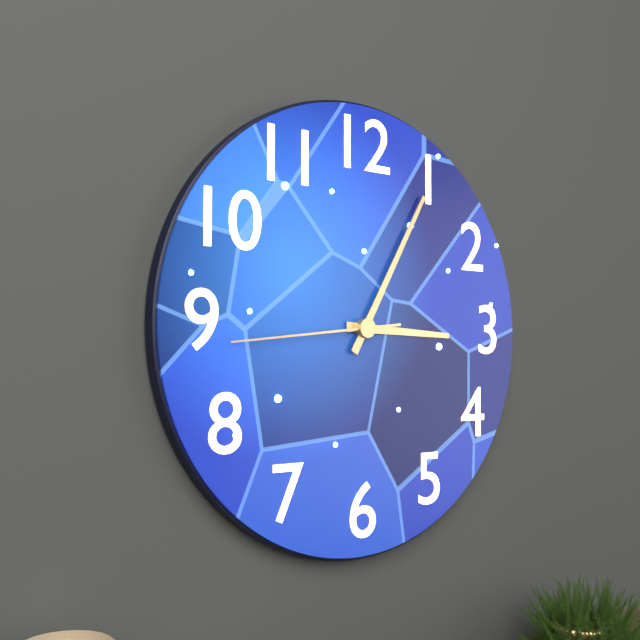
3:05:44
